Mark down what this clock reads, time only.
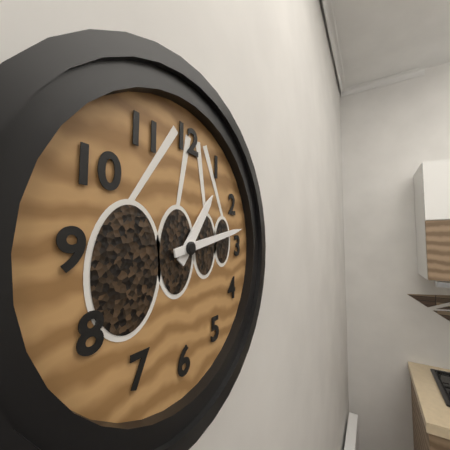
1:13
